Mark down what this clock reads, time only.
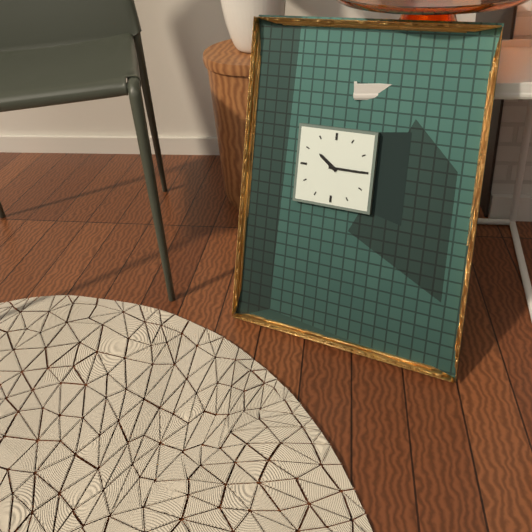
10:15
